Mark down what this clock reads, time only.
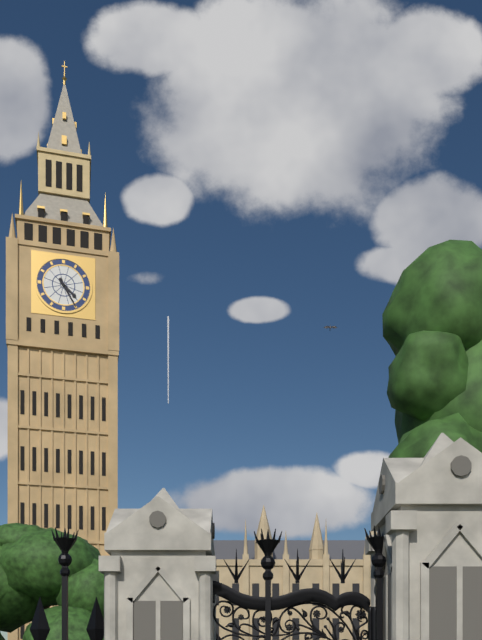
4:25
